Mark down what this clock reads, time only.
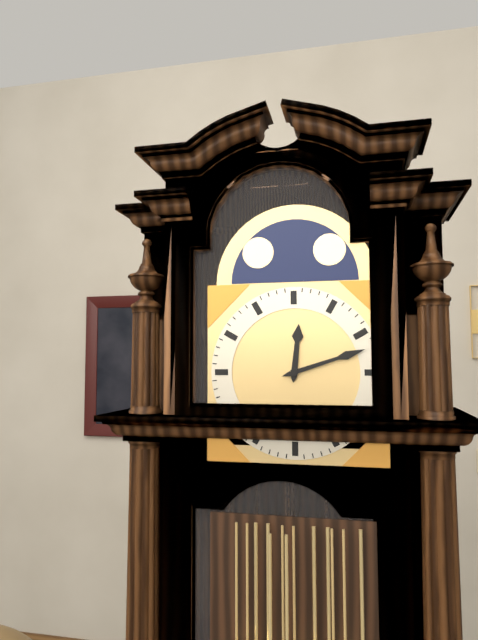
12:12
